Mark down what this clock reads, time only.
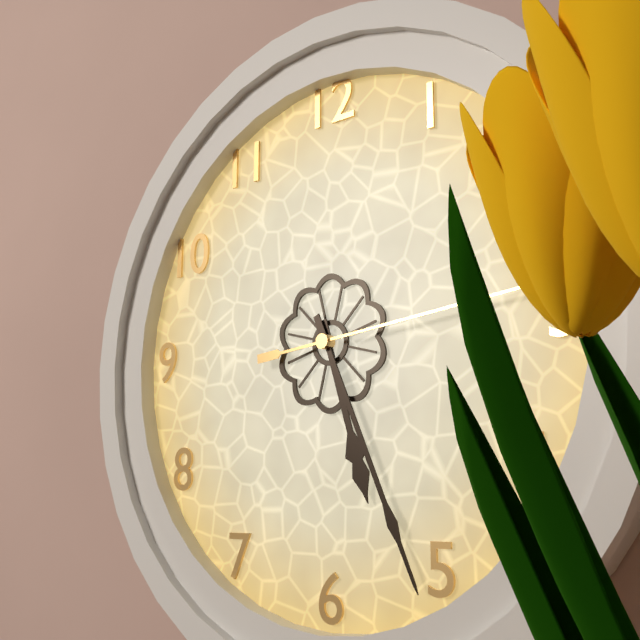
5:26:14
